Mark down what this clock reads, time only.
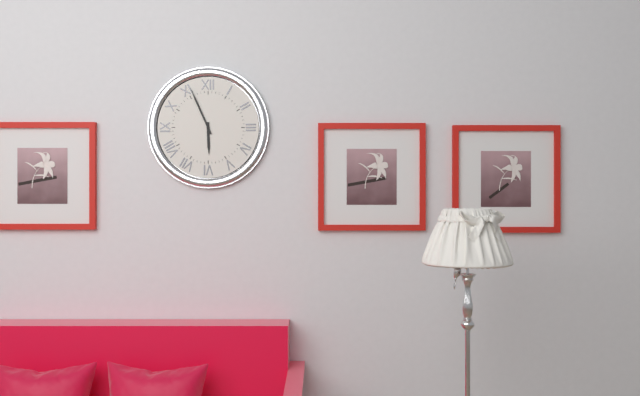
5:56
